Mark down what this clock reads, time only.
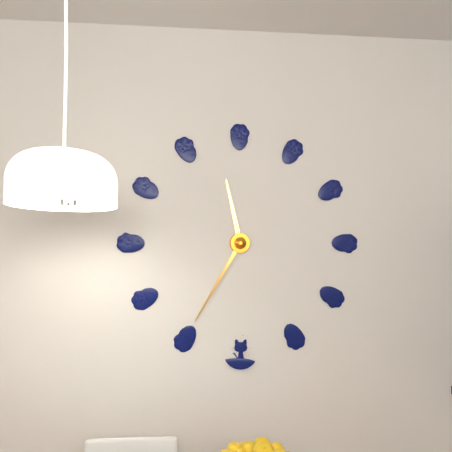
11:35
